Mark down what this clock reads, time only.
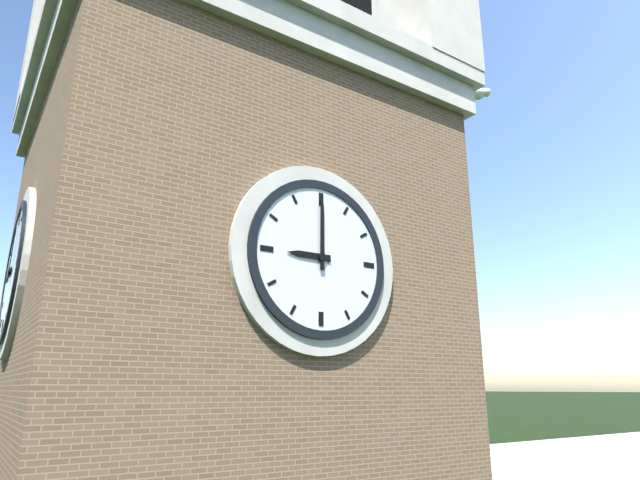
9:00
